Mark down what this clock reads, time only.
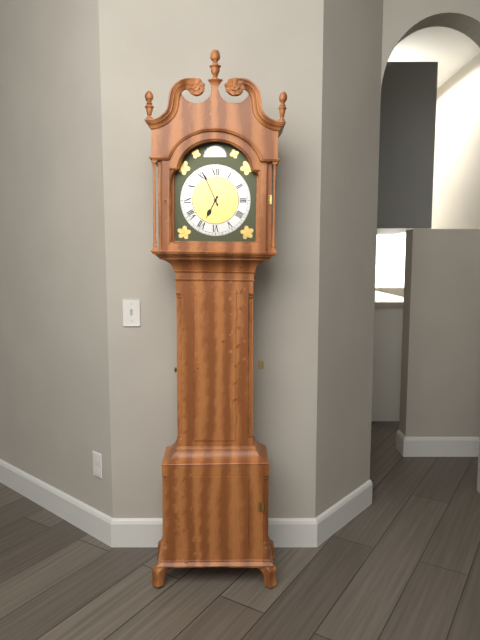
6:56
